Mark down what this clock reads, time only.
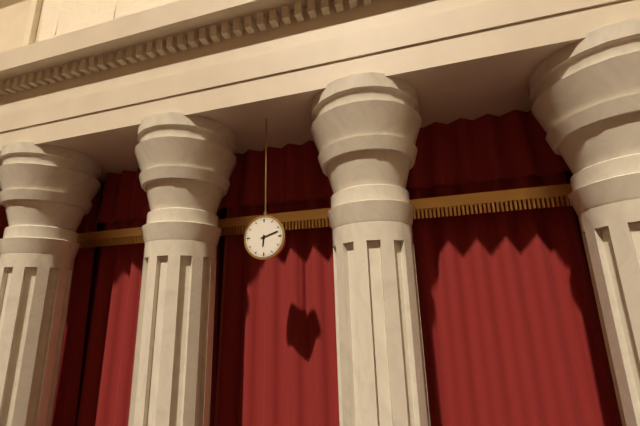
6:12
